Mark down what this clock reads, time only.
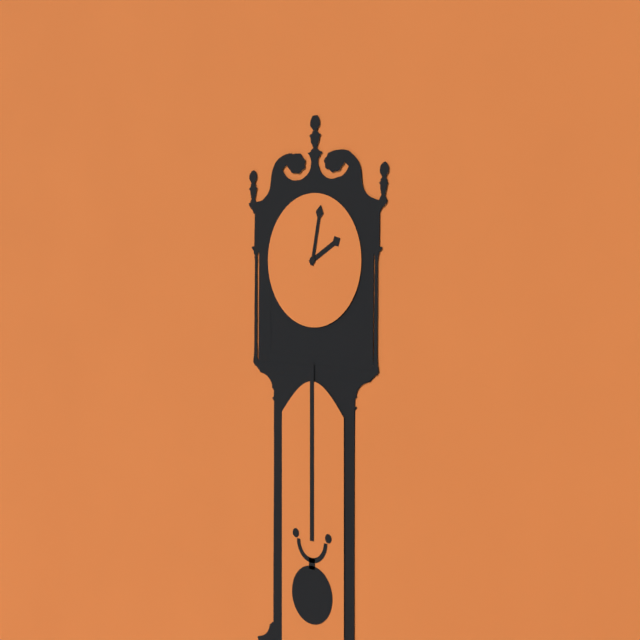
2:02
